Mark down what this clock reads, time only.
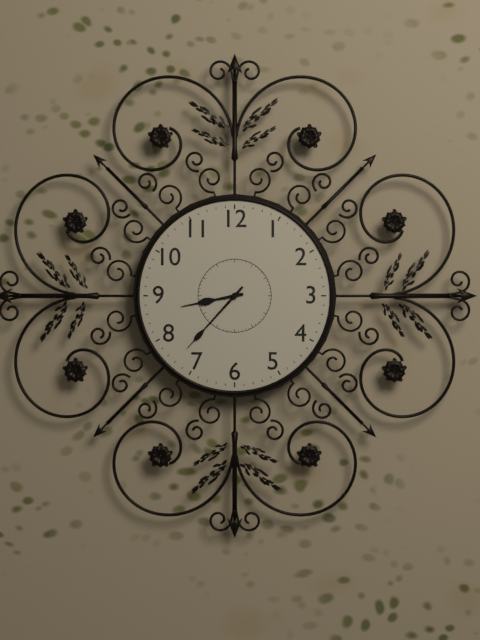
8:37
